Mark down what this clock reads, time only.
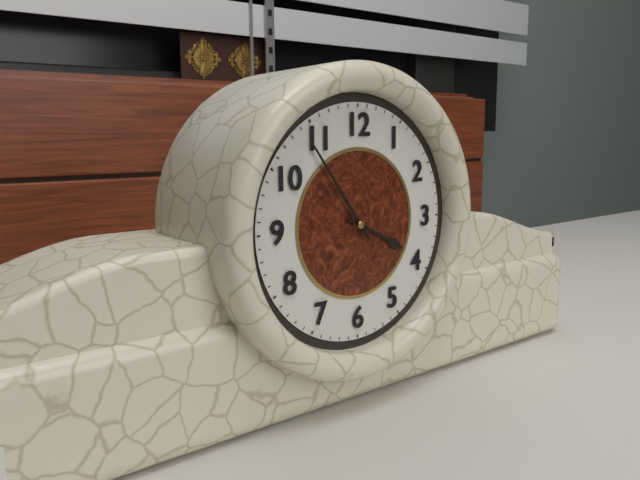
3:54
